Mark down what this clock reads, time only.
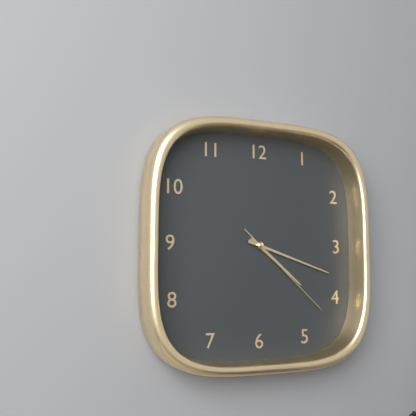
4:18:22
